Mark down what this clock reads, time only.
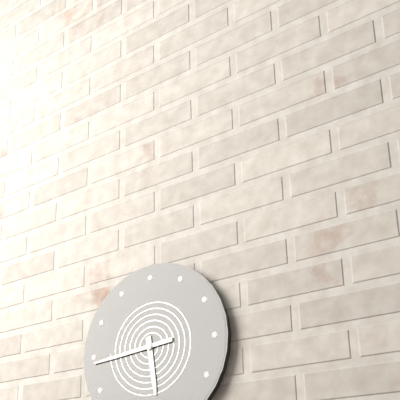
5:44
